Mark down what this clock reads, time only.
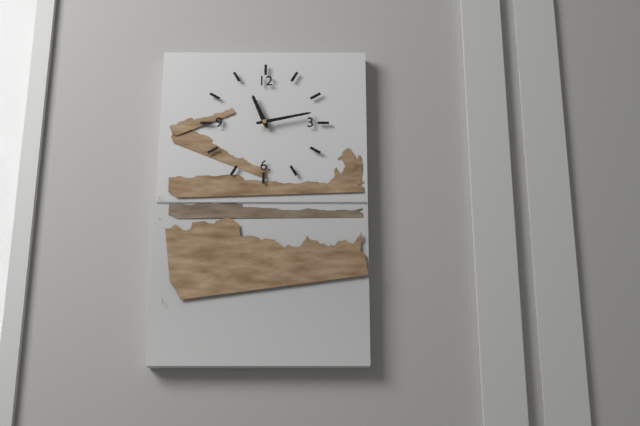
11:13
